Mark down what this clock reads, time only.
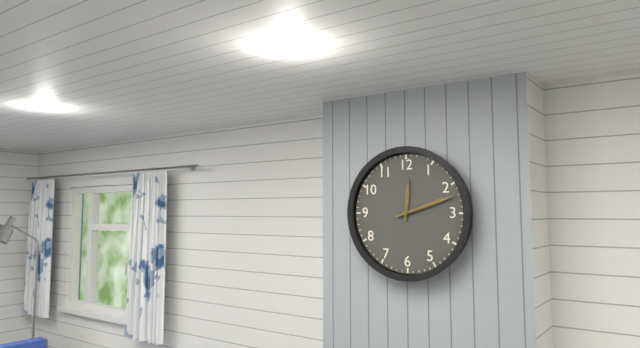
12:12
